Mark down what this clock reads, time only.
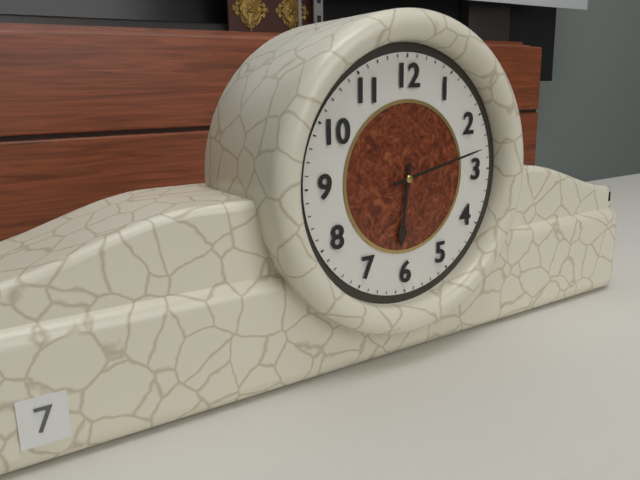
6:13
